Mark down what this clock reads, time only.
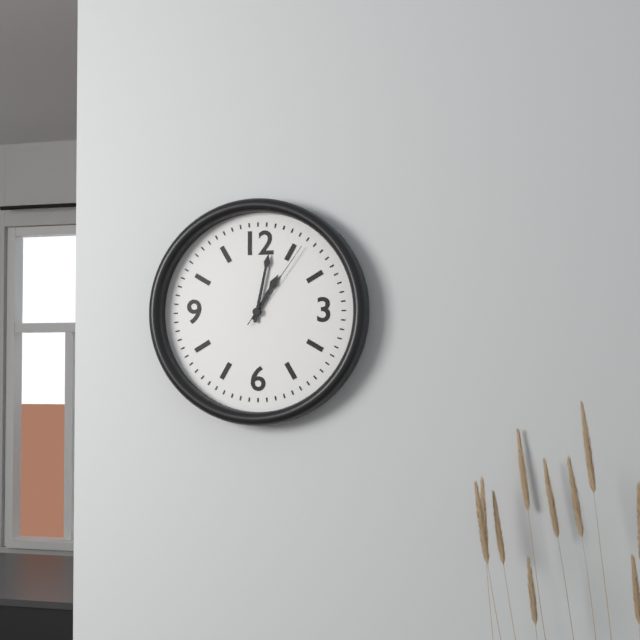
1:02:06
